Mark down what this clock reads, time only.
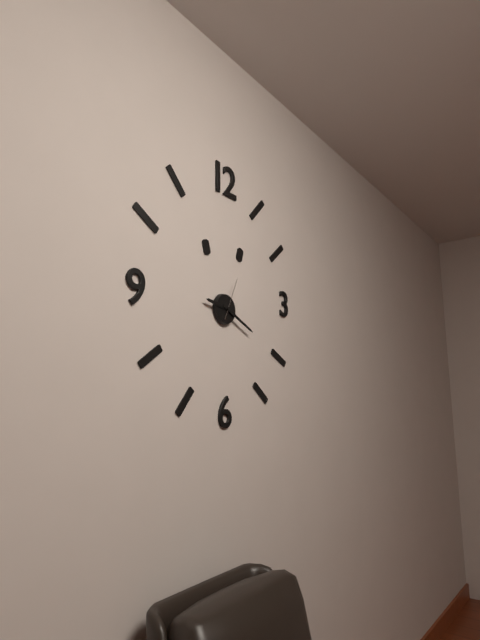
9:19
